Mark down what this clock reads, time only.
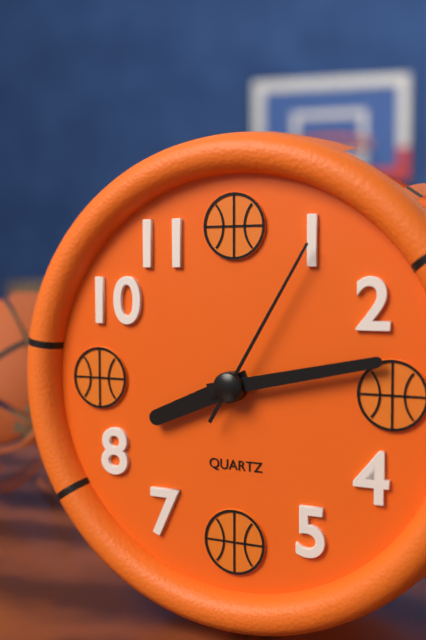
8:13:05
